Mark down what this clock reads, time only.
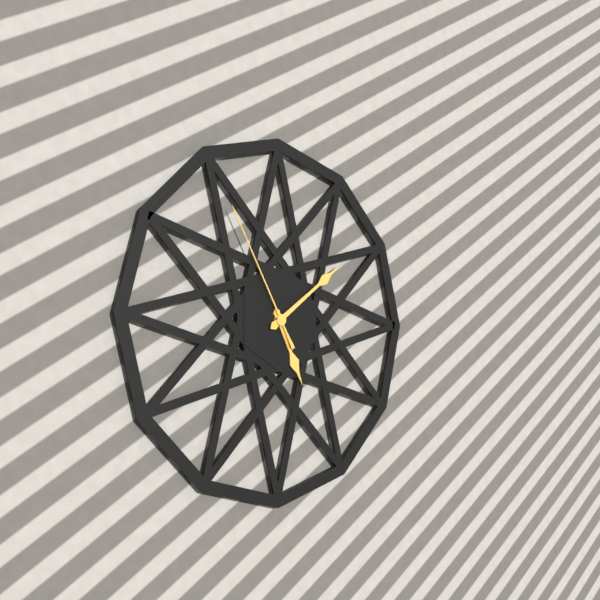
5:09:55
